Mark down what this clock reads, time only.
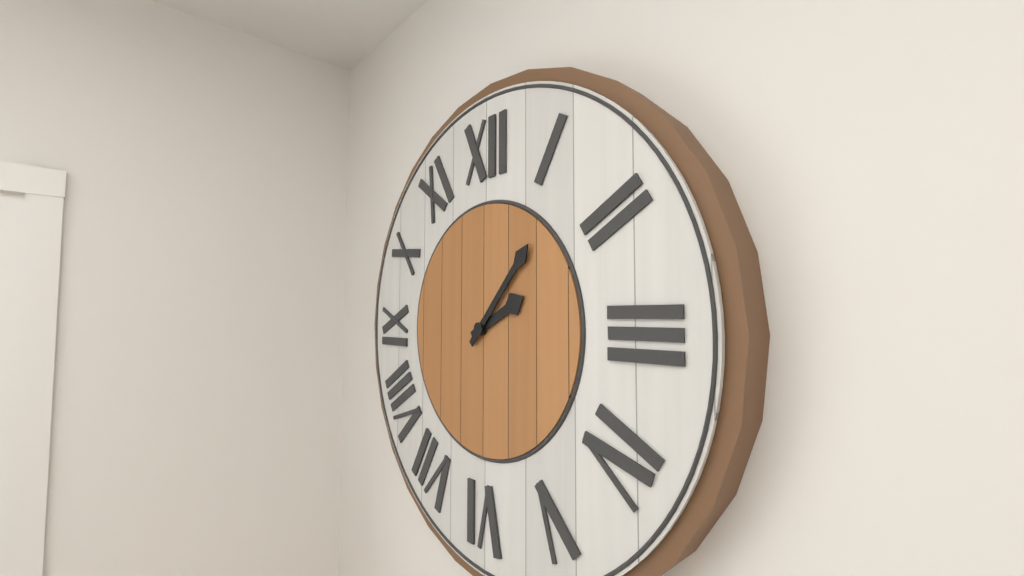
2:07
